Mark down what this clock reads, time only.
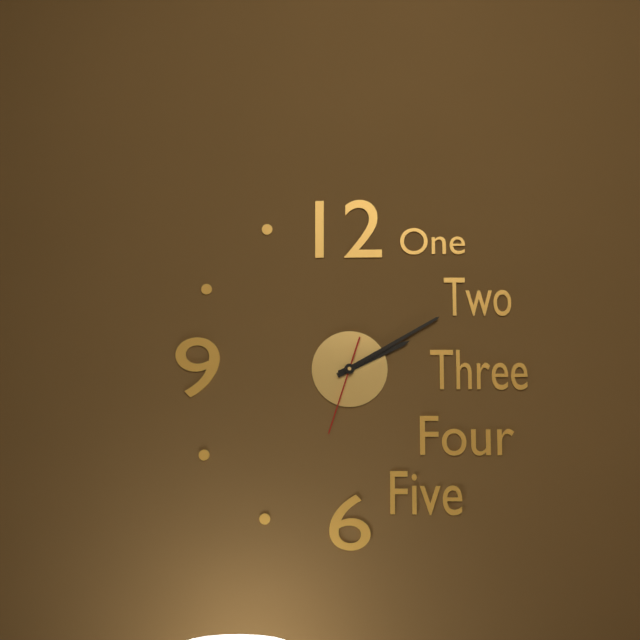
2:10:33
